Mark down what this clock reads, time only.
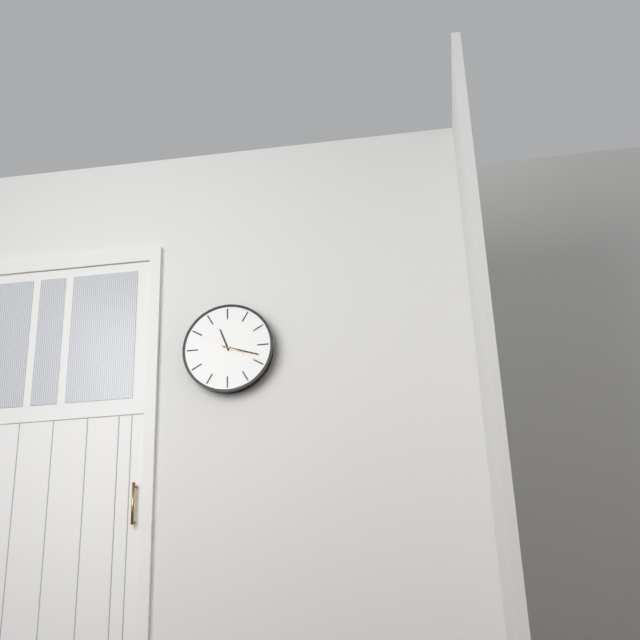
11:18
